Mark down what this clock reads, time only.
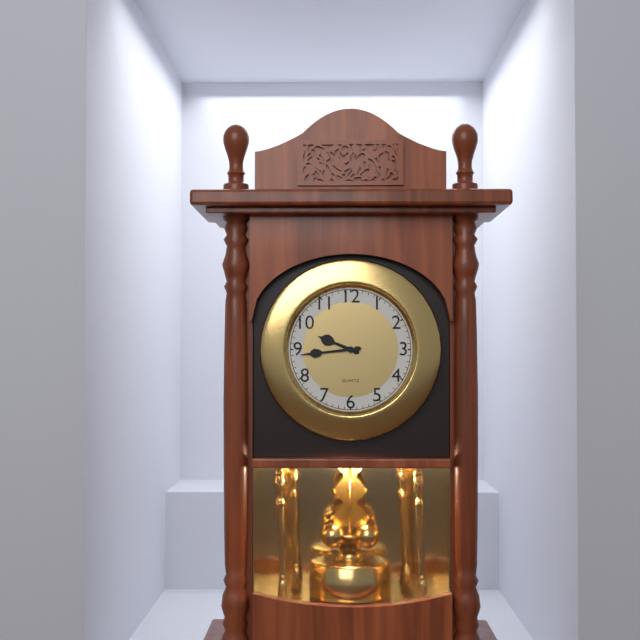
9:44
